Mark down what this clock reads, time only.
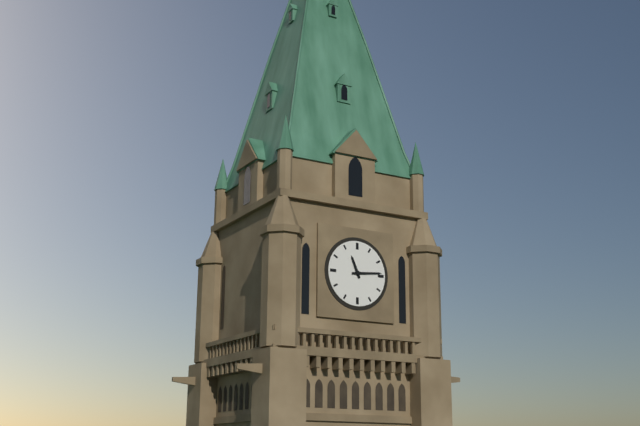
11:14
